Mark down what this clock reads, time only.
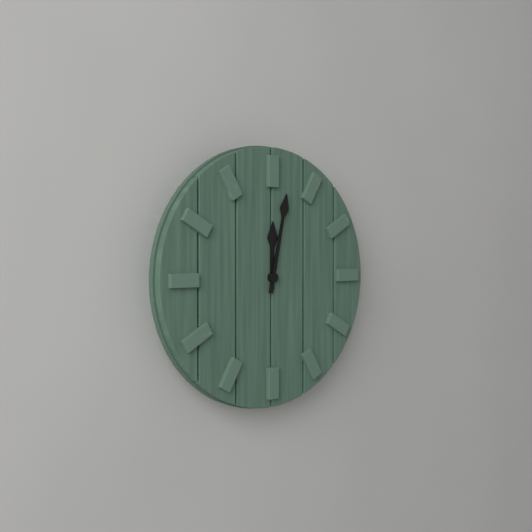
12:02
